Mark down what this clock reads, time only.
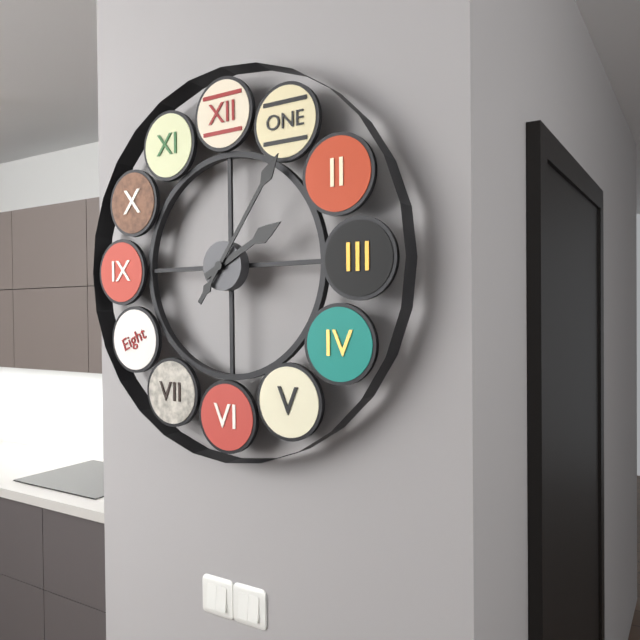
2:06
